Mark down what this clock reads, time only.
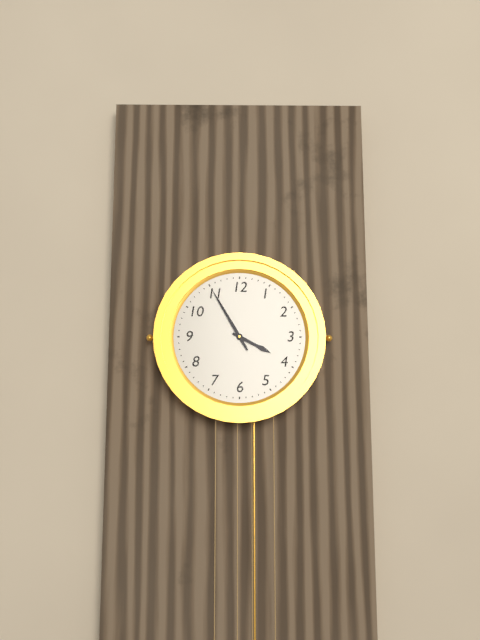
3:55
